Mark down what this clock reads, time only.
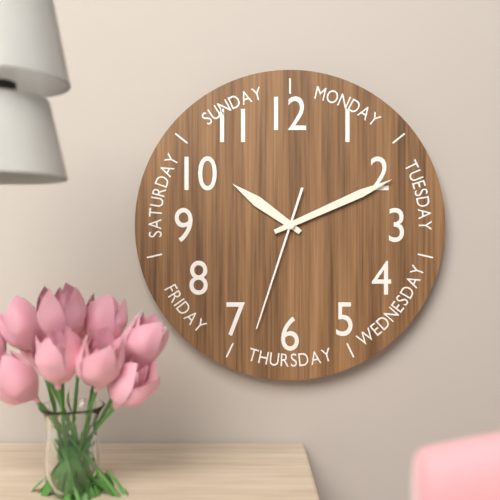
10:11:33
